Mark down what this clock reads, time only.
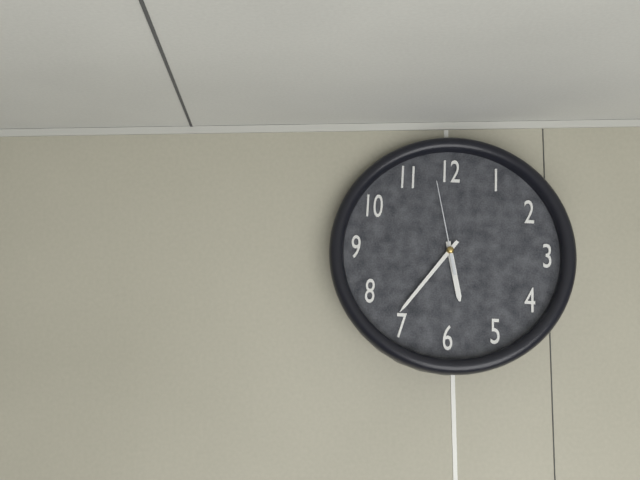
5:36:58
